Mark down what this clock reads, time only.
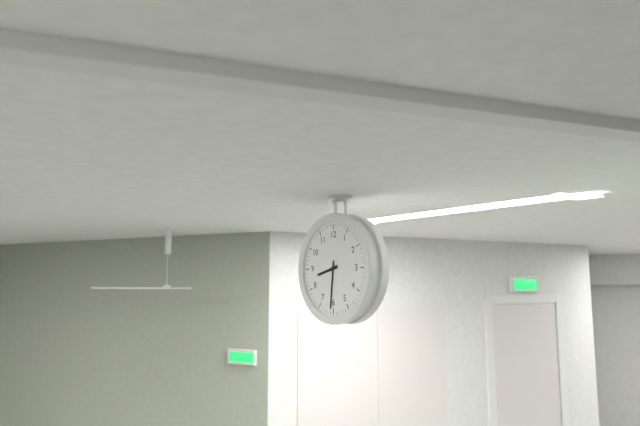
8:31
